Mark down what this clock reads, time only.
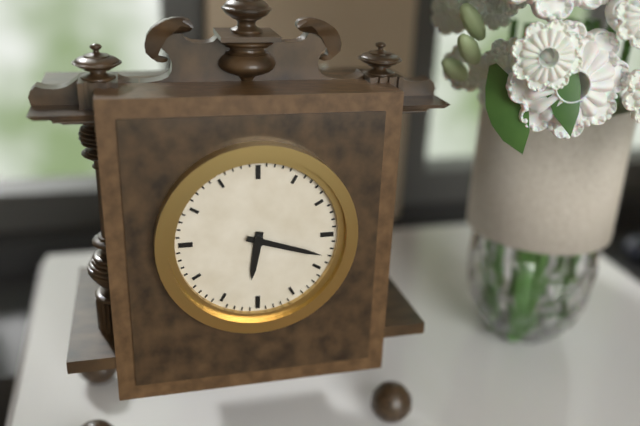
6:18
